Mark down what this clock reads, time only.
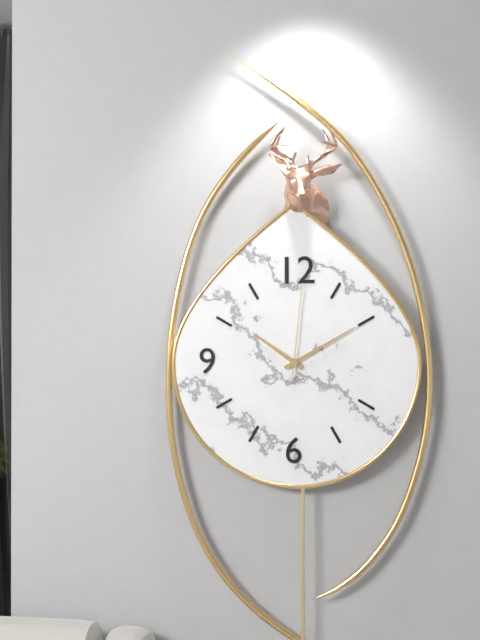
10:10:01
